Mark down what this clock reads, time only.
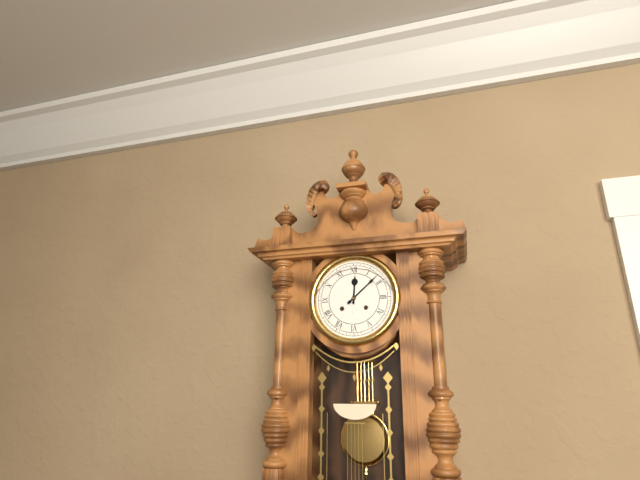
12:08
